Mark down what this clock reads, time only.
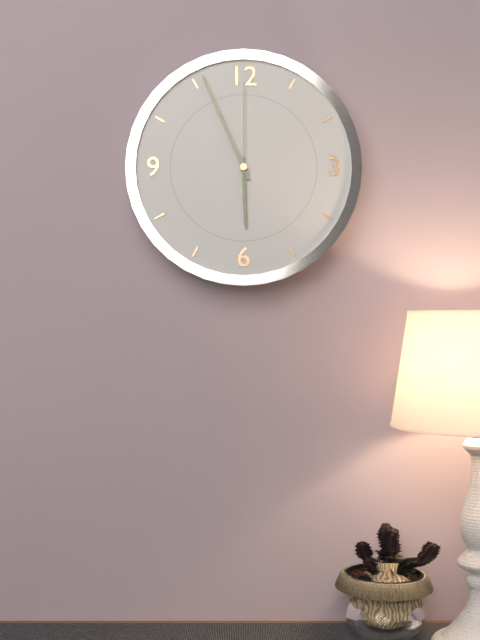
5:56:00
